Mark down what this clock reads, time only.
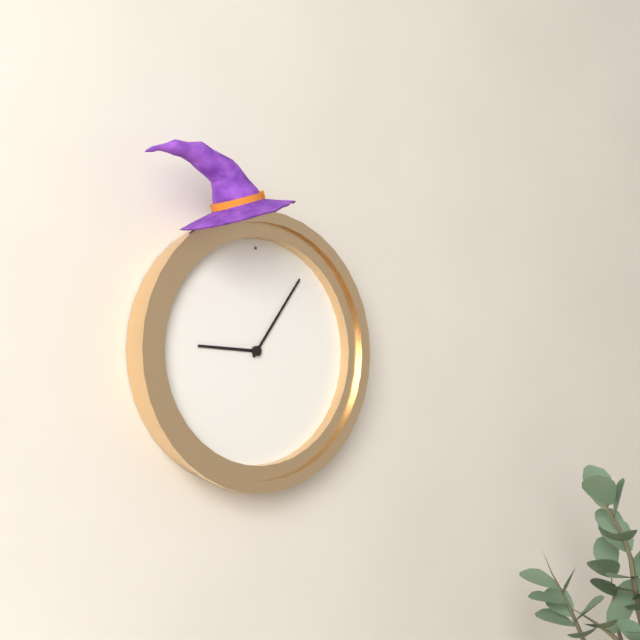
9:06
